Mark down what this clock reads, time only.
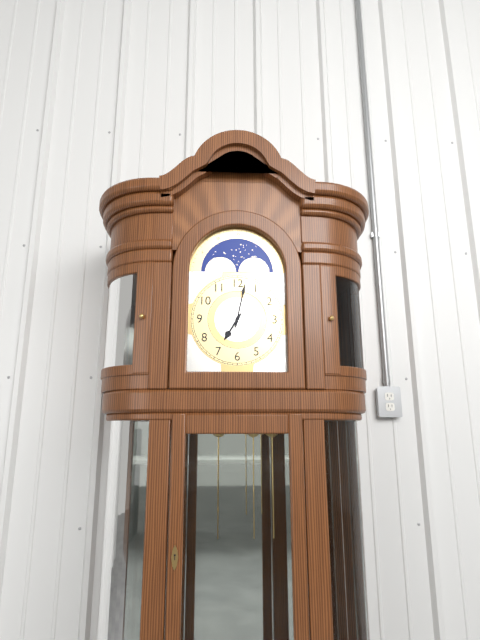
7:02
